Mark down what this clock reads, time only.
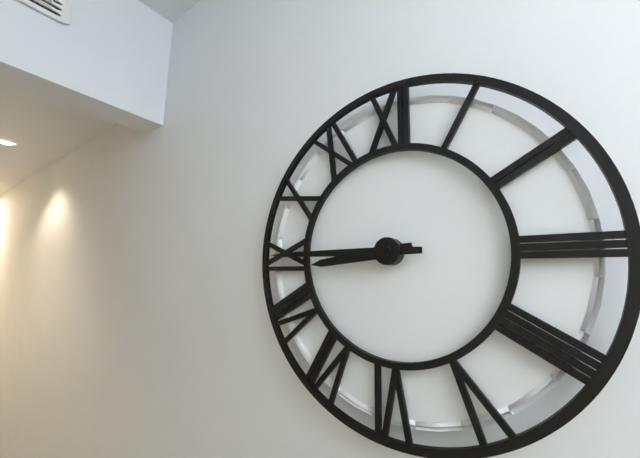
8:45
